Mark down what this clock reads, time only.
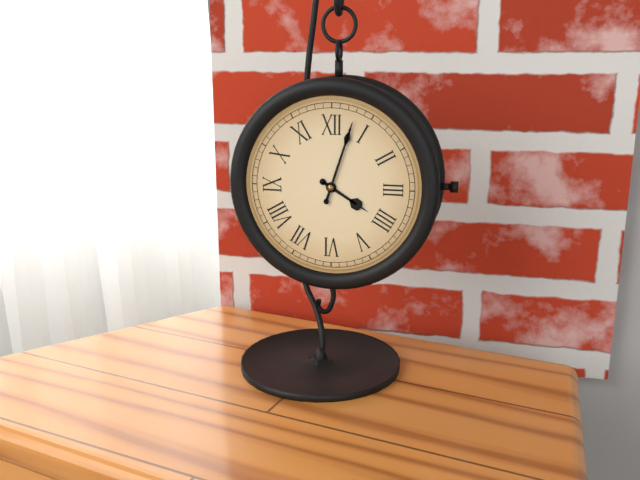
4:03
